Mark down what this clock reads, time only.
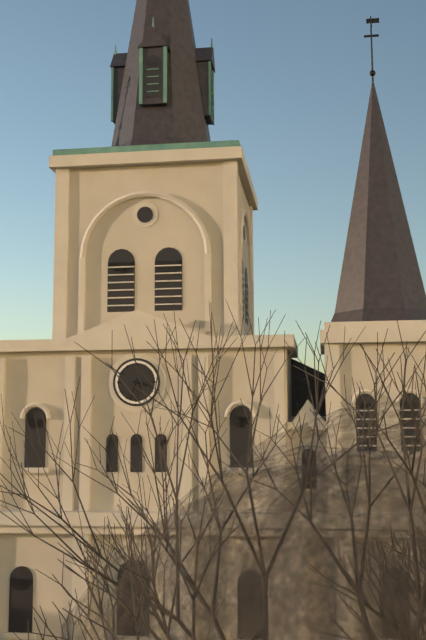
3:33
